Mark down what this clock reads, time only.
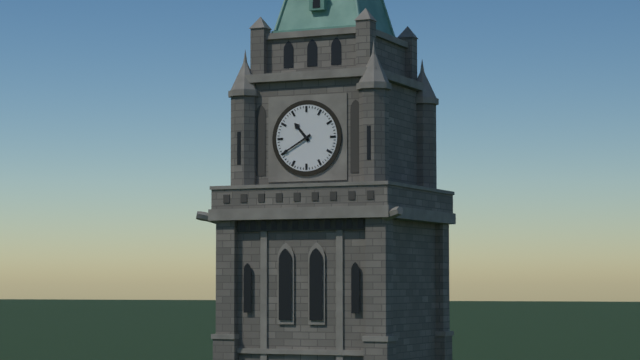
10:40
